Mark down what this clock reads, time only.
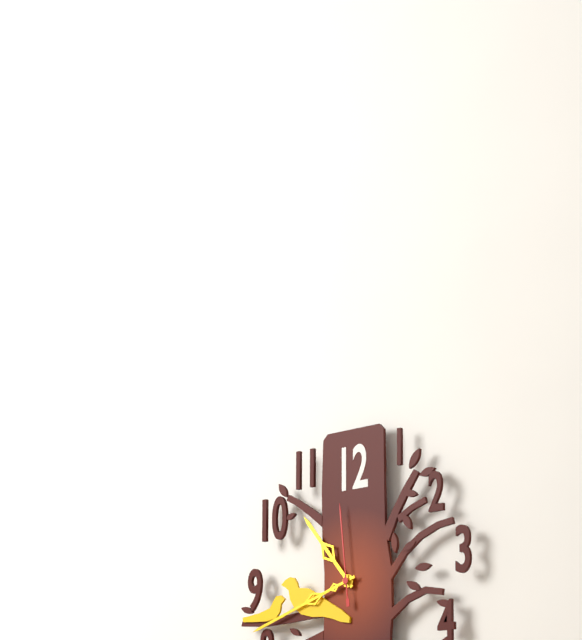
10:42:59
